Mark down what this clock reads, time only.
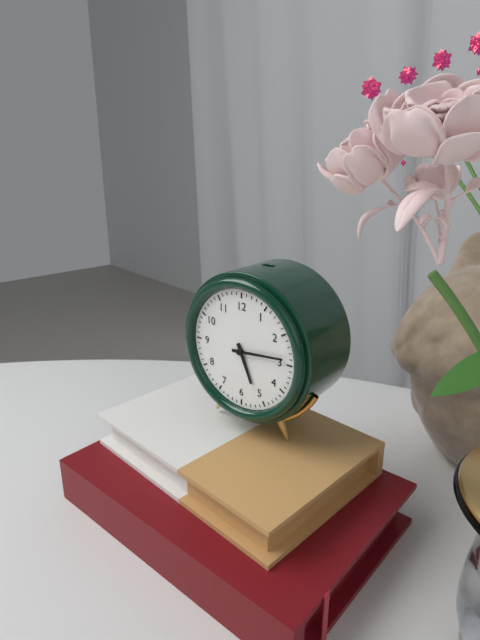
5:14
